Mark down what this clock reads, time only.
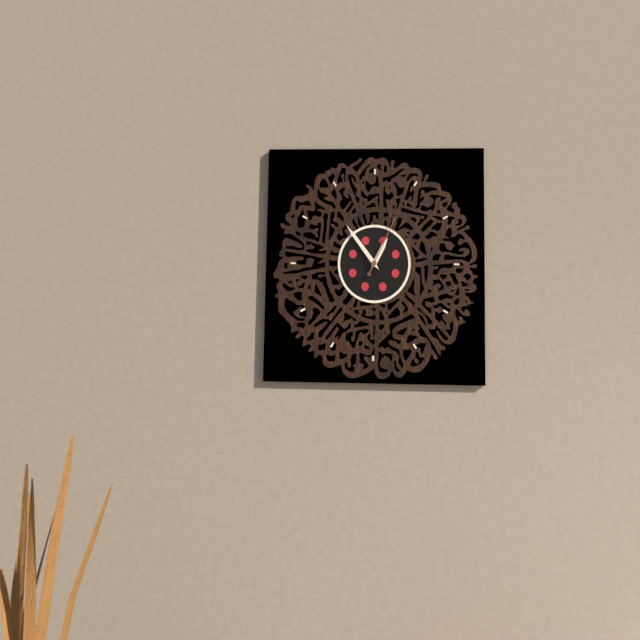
12:54:04
